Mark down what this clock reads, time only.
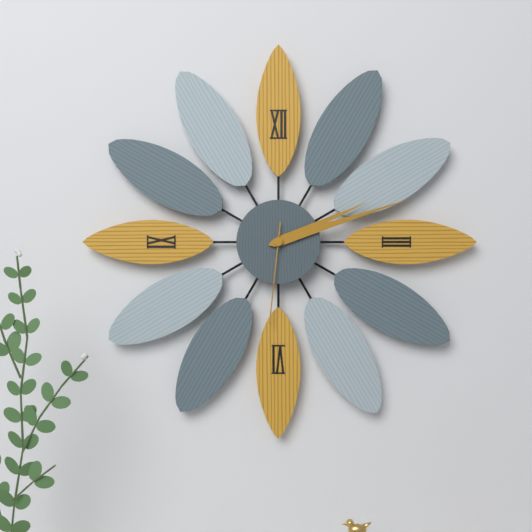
2:12:31
